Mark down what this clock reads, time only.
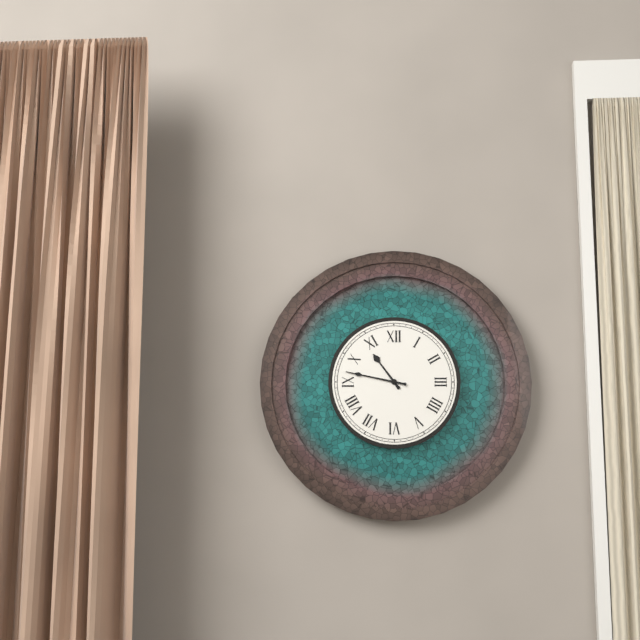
10:47
